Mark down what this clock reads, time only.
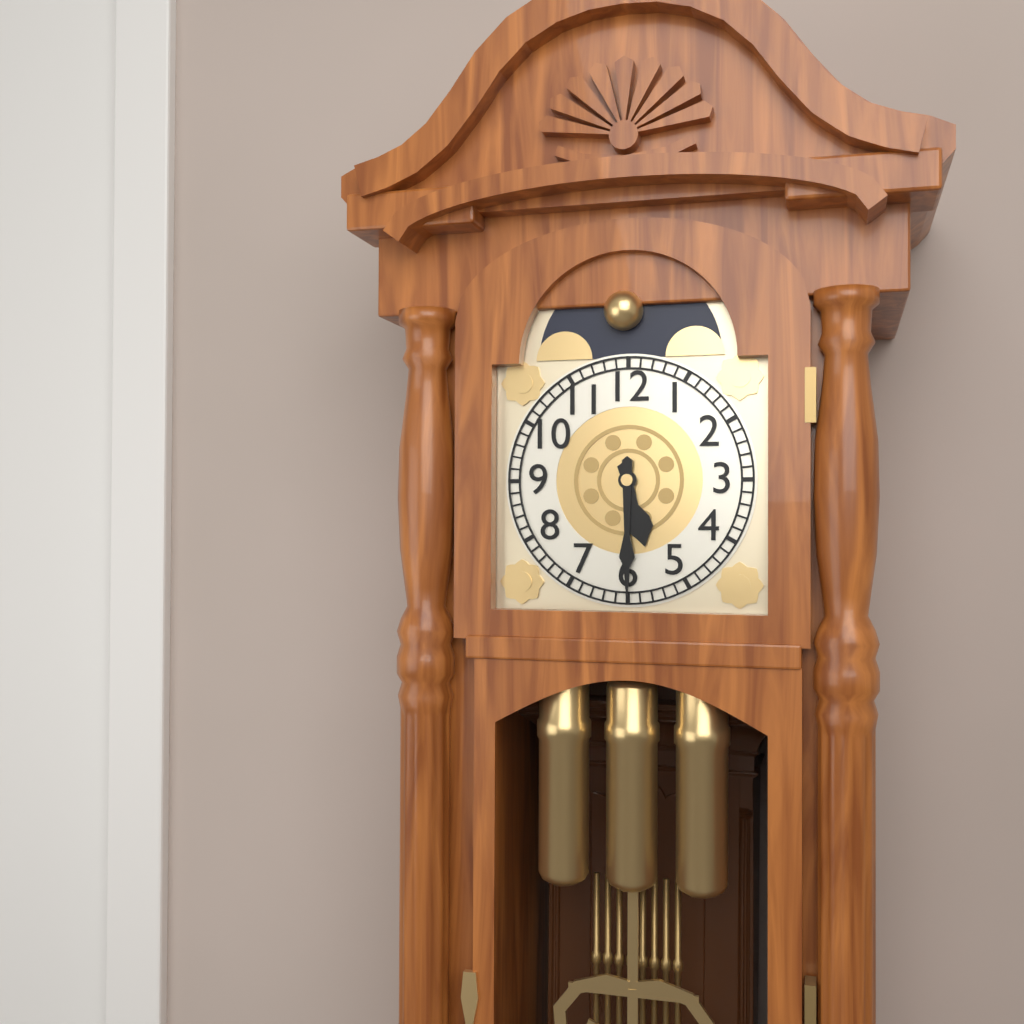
5:30
